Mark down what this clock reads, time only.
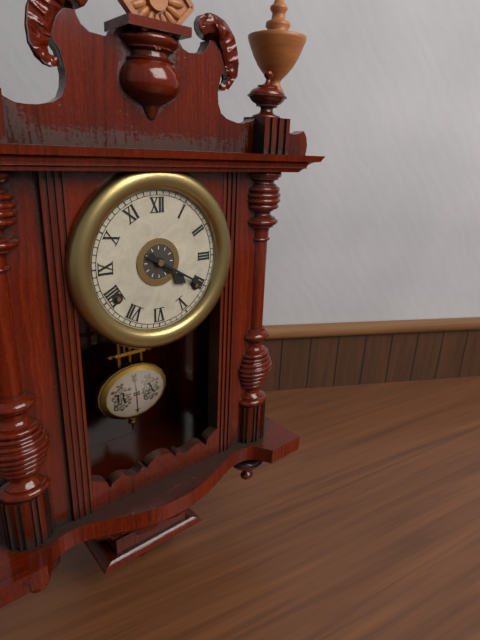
4:20
